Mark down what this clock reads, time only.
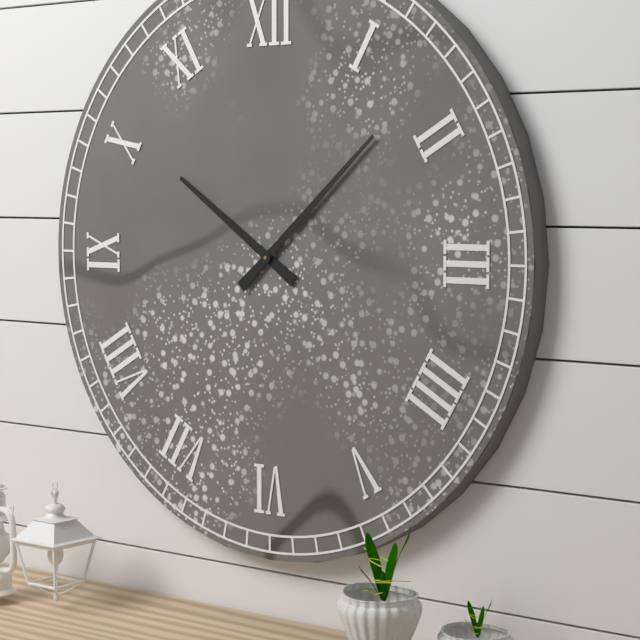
10:08
